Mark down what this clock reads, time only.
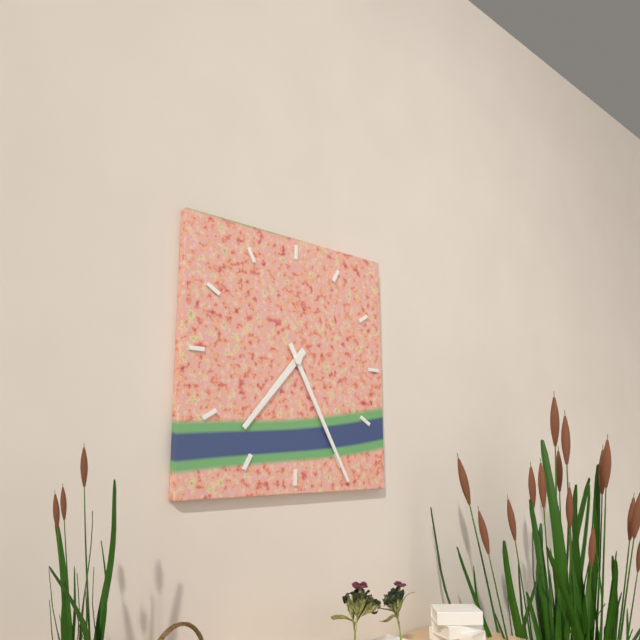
7:25
